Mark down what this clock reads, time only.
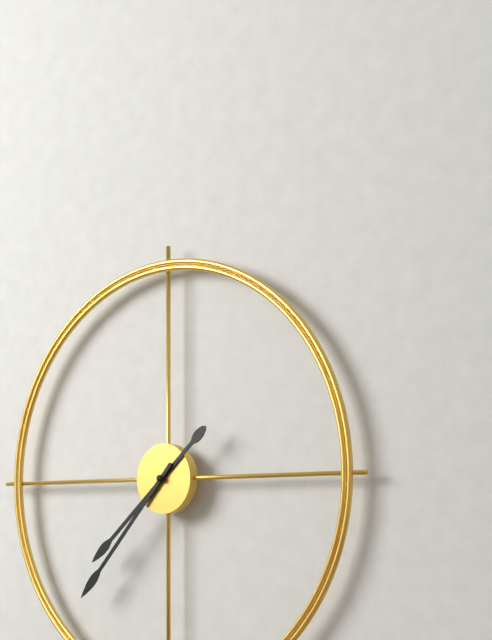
7:37
